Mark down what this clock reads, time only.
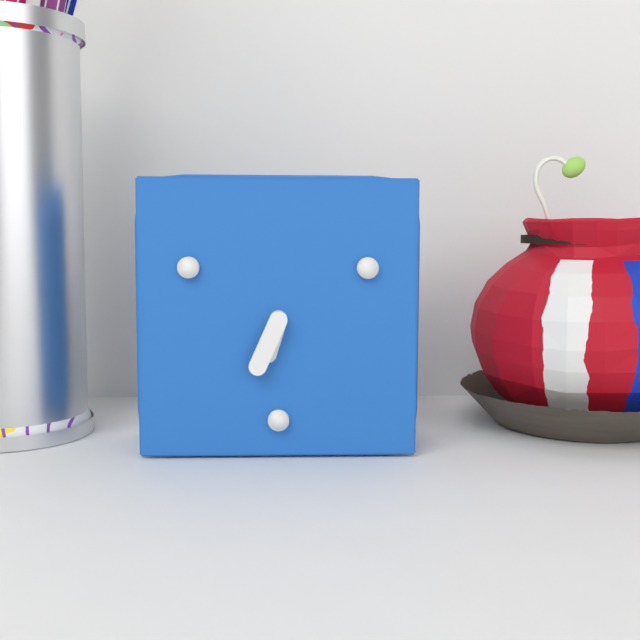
6:34
